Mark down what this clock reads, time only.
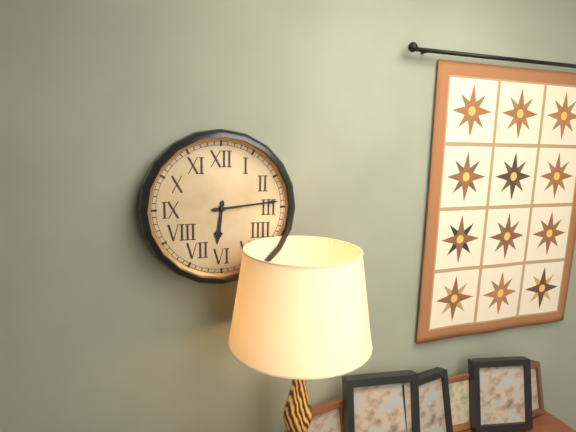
6:14
